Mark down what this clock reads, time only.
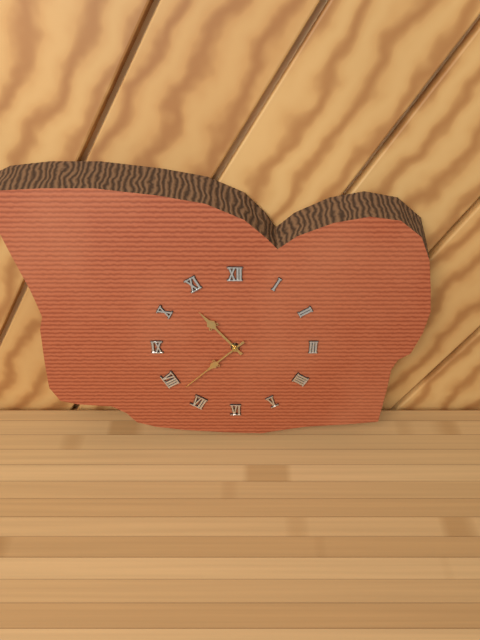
10:38
